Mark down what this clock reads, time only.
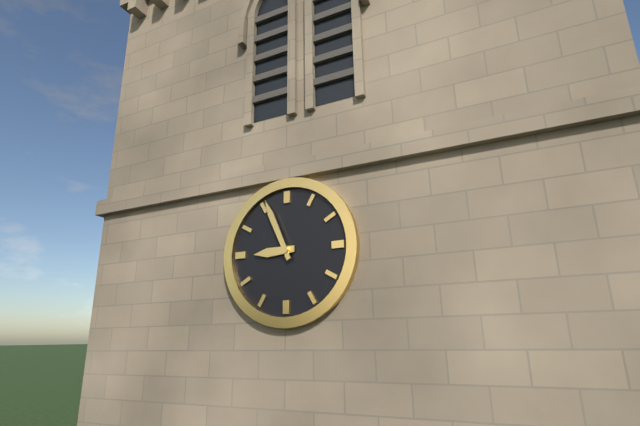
8:56
